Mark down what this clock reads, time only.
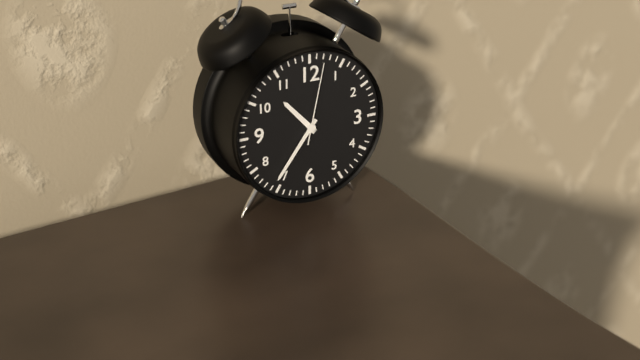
10:36:02
